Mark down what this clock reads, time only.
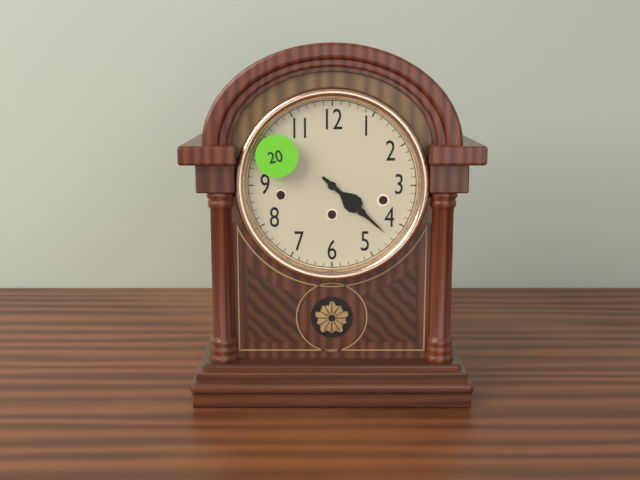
4:22
